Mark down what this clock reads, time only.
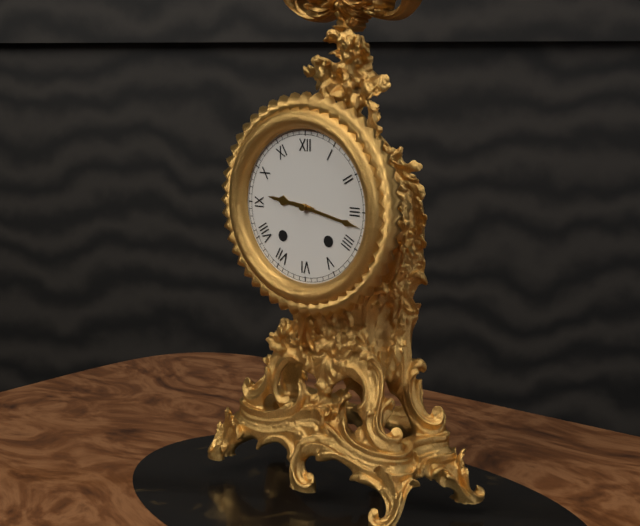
9:17
